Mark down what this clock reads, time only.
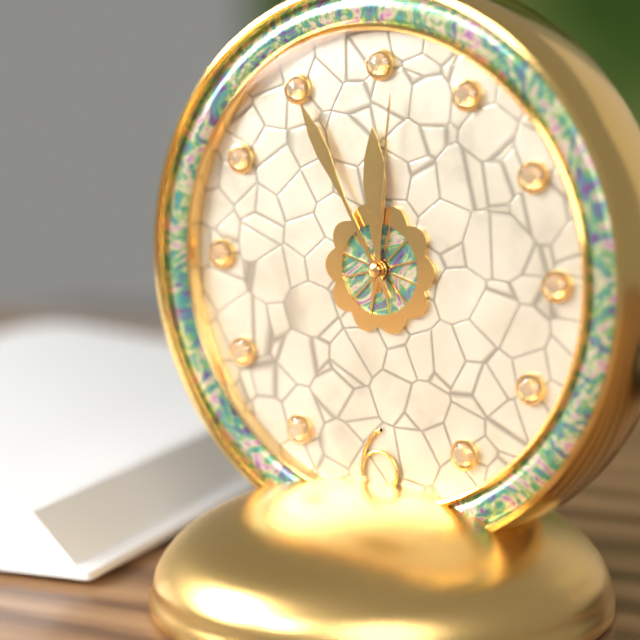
11:55:01
